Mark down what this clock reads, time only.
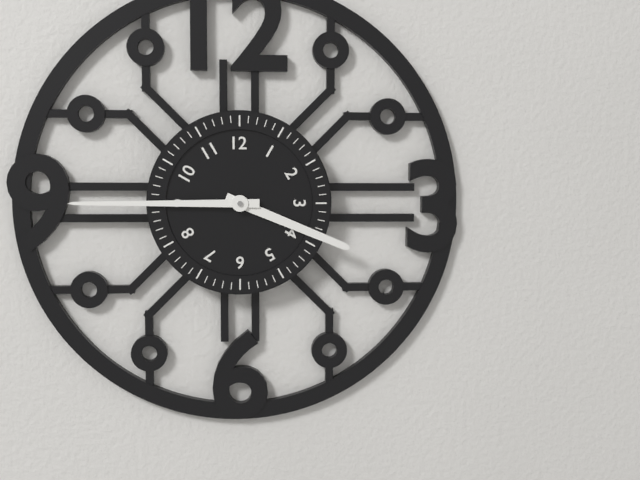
3:45
